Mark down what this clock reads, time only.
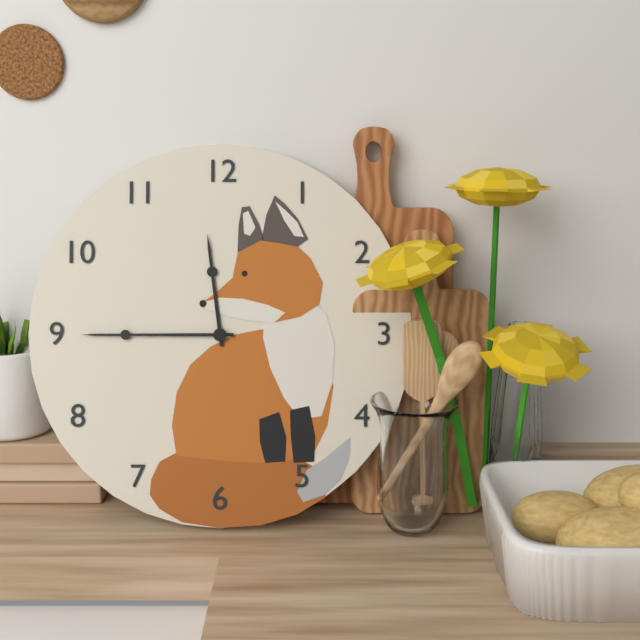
11:45
